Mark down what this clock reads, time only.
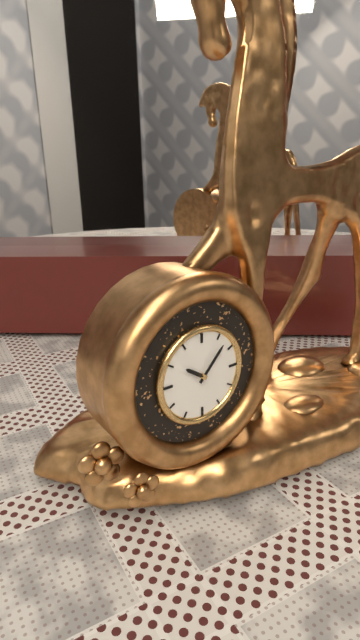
10:07
